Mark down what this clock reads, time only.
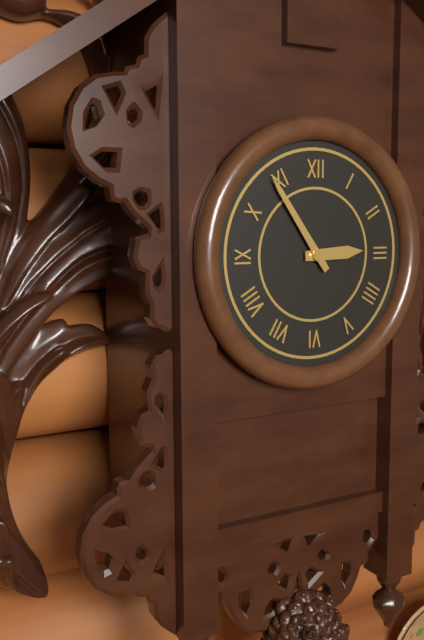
2:54
